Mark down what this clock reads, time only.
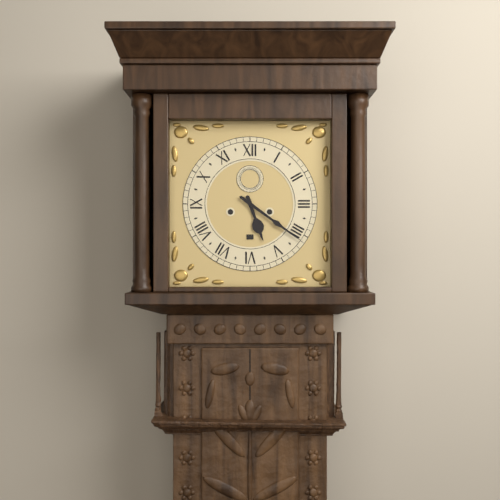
5:21
